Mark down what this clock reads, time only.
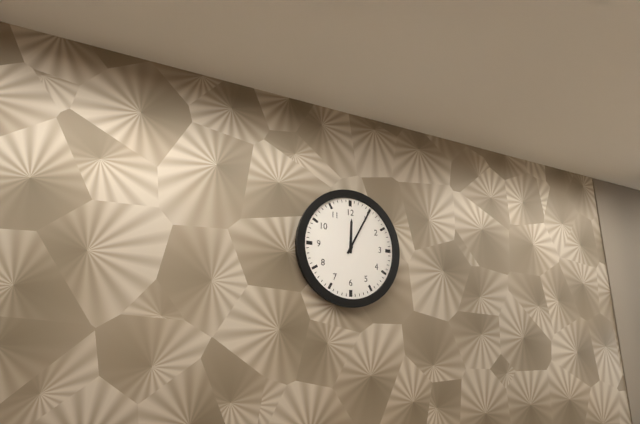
12:05
